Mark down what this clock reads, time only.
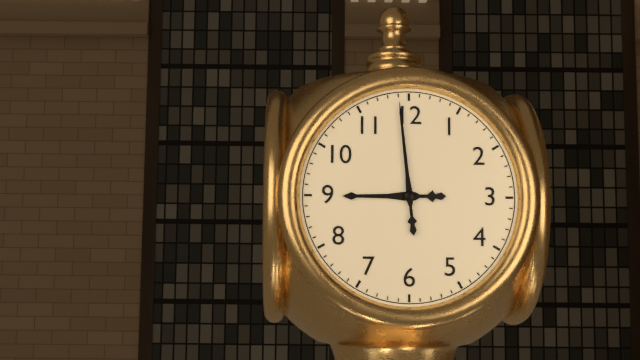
8:59
